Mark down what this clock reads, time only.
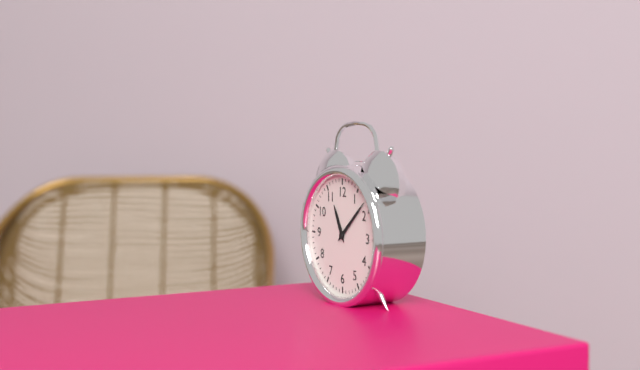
11:08
